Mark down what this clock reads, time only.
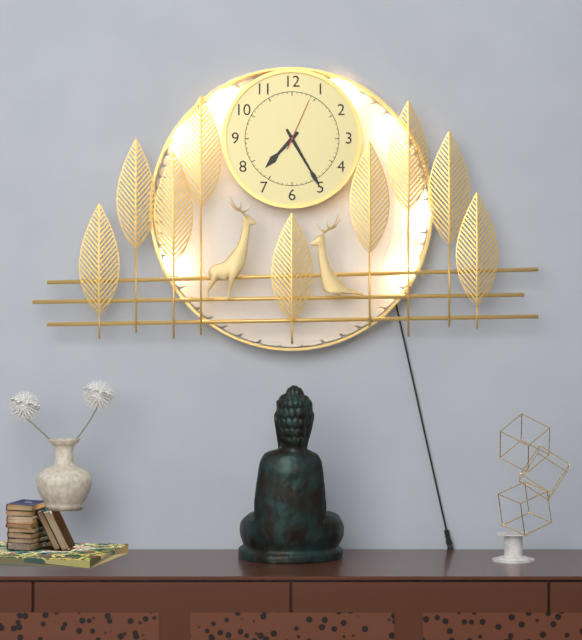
7:25:04
